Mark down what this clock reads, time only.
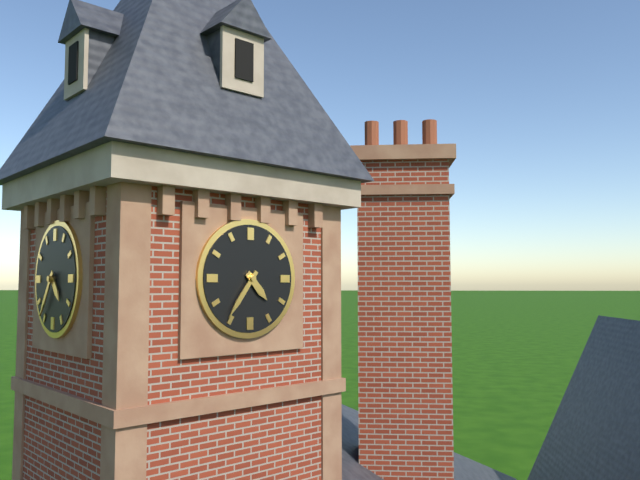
4:36
